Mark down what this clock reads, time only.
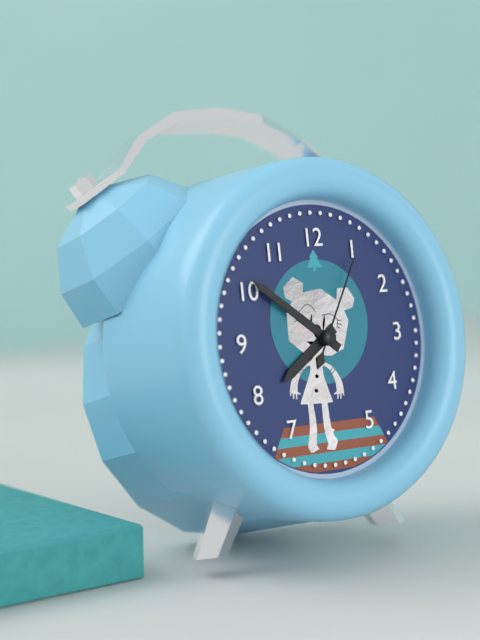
7:51:05
